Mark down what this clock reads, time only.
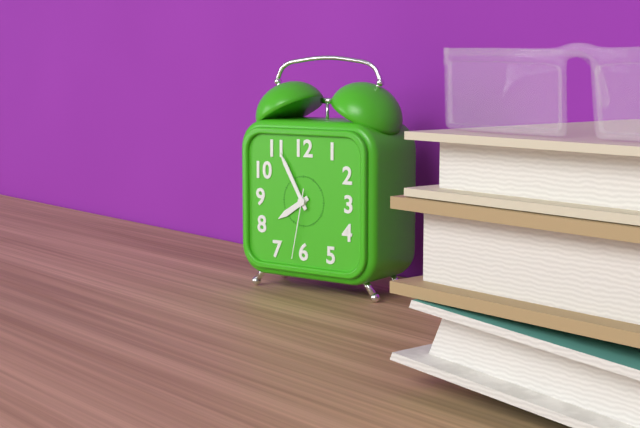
7:55:32
